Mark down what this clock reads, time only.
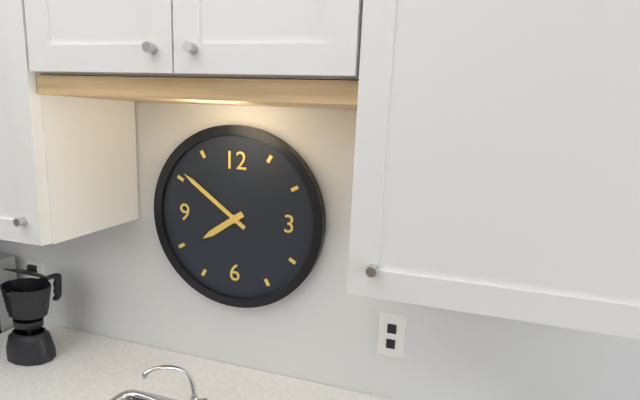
7:51
